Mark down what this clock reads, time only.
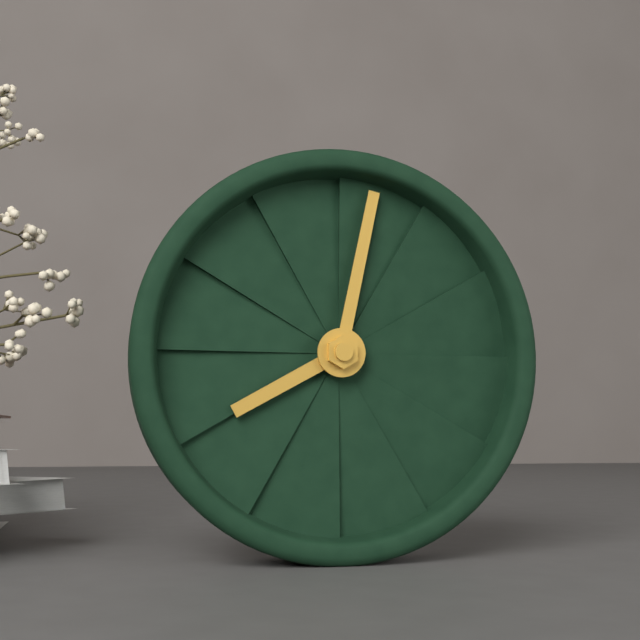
8:02
